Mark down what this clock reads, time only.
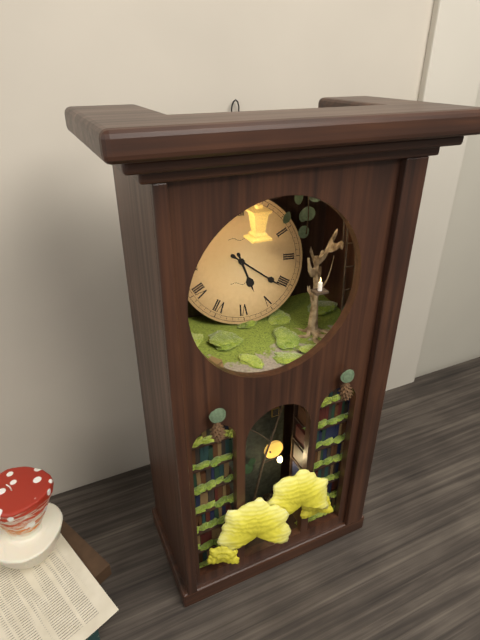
5:21
